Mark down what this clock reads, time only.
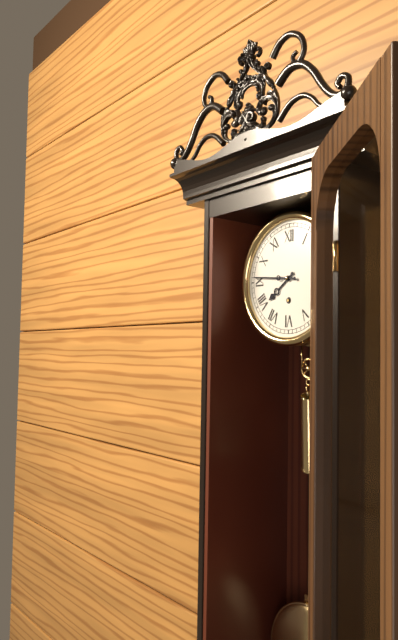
7:46
